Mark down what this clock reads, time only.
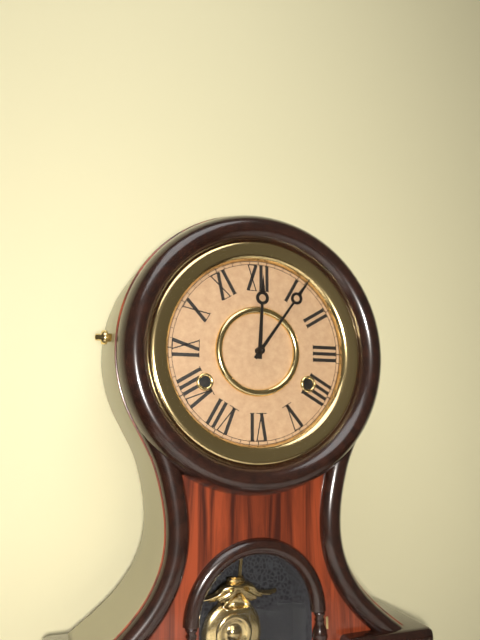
12:06
